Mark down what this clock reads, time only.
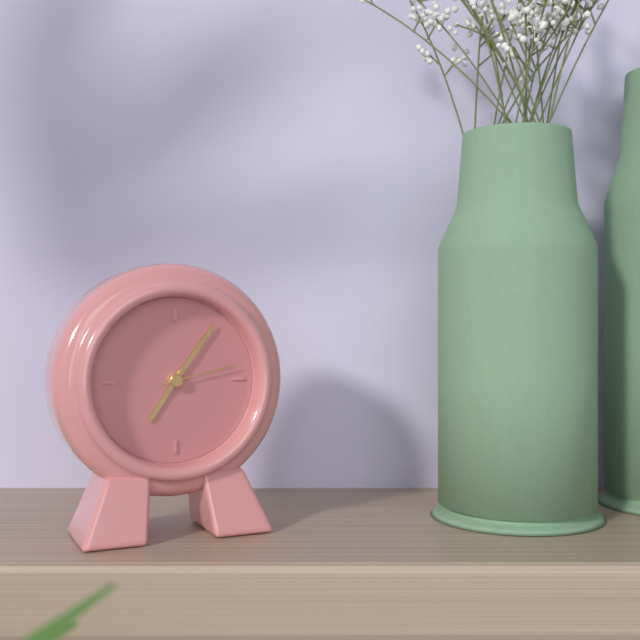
7:06:13
